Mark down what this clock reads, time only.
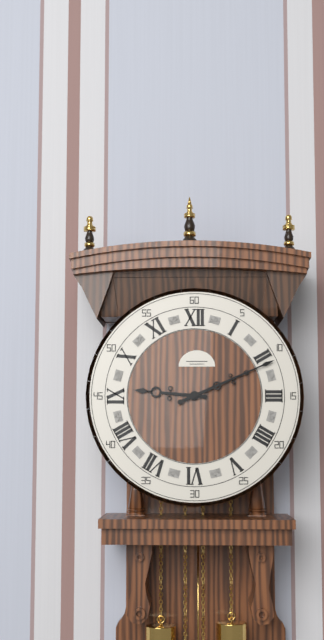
9:11
